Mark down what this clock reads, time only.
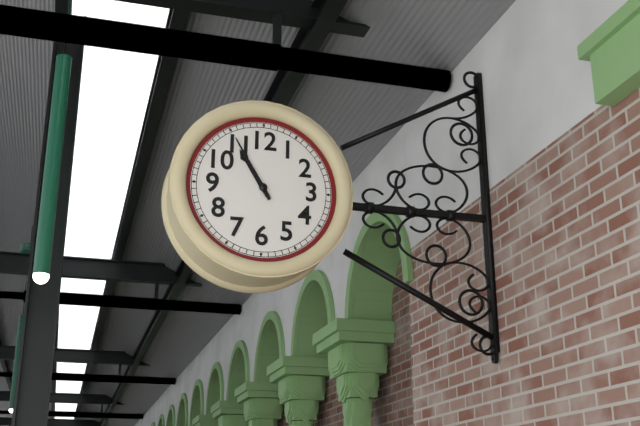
10:55
